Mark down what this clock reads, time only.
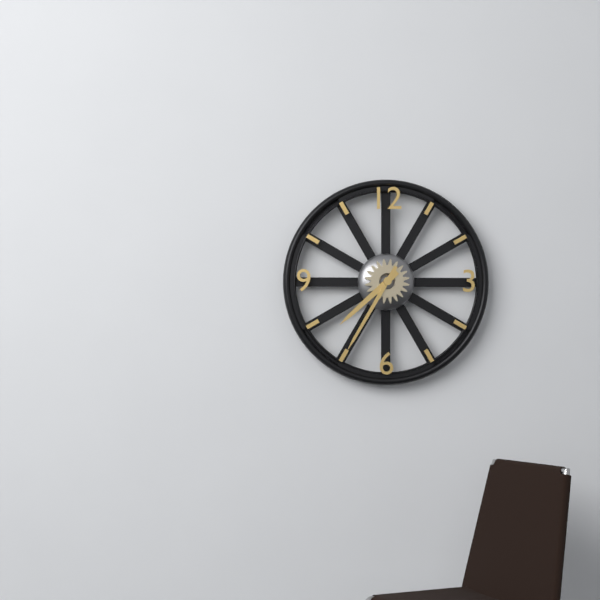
7:35
